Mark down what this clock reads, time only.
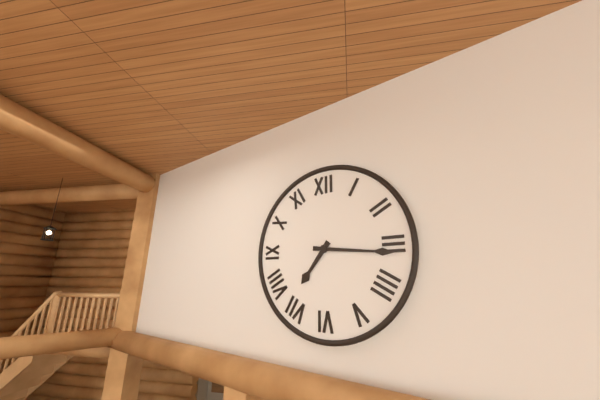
7:16
